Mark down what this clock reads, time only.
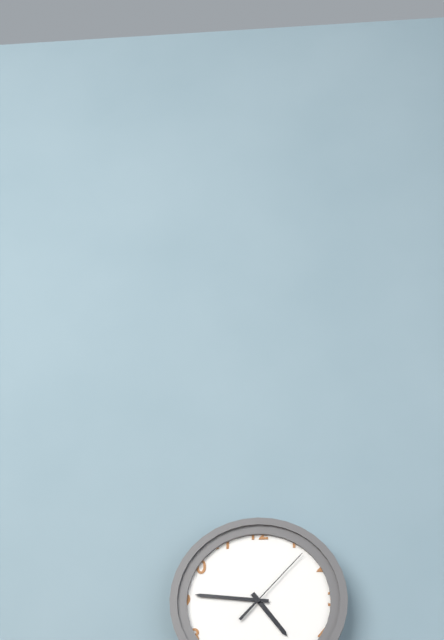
4:46:07
